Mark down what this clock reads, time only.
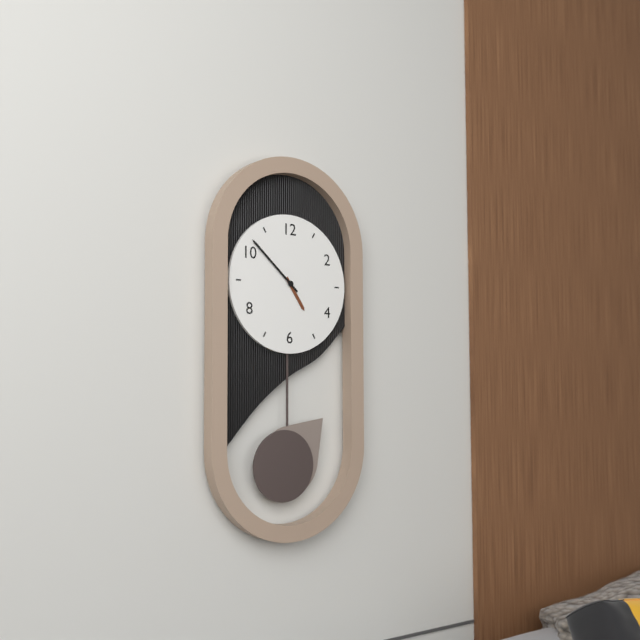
4:52
